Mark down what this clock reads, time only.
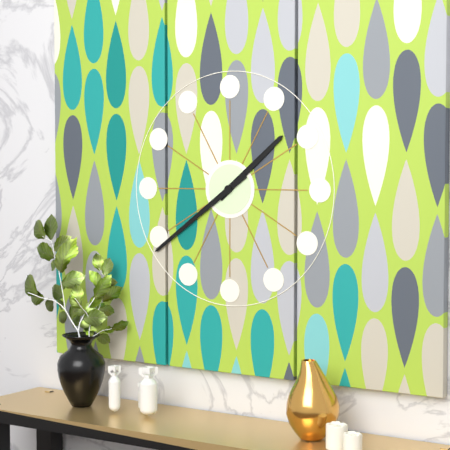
1:39
